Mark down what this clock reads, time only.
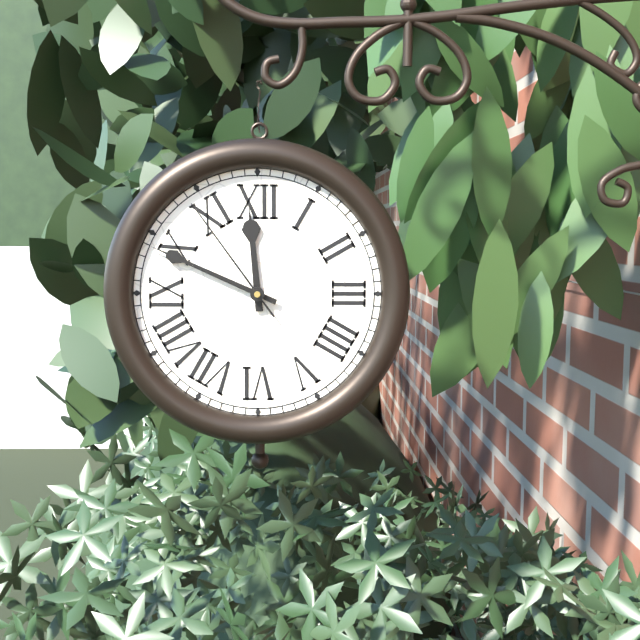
11:49:54
